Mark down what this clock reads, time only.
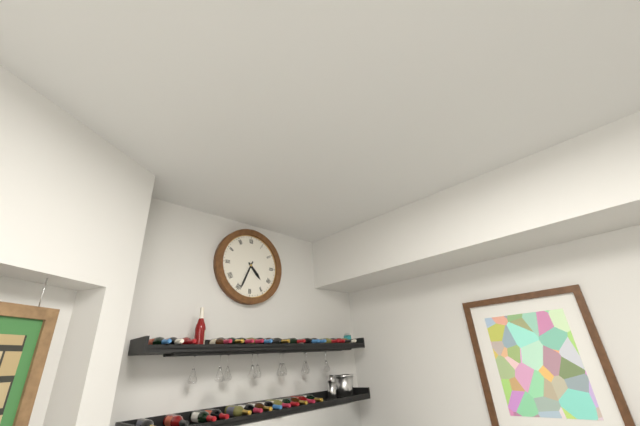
4:34
